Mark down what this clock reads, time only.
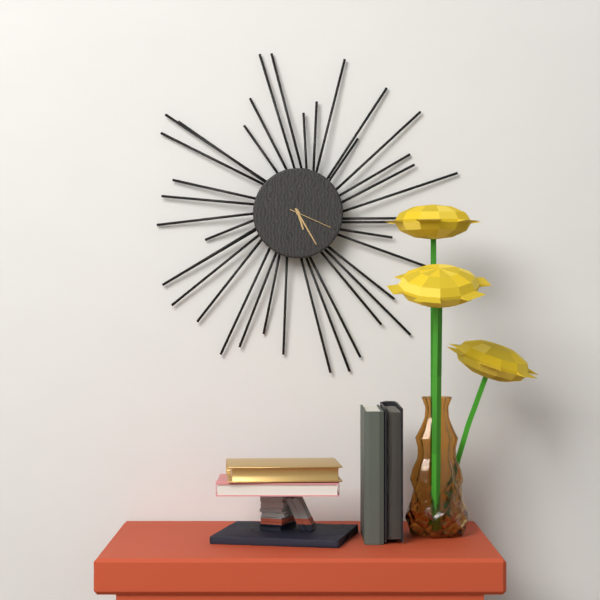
5:25
